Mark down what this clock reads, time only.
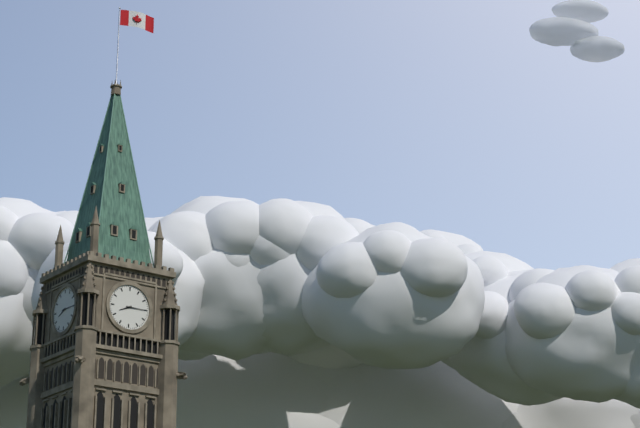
8:15
